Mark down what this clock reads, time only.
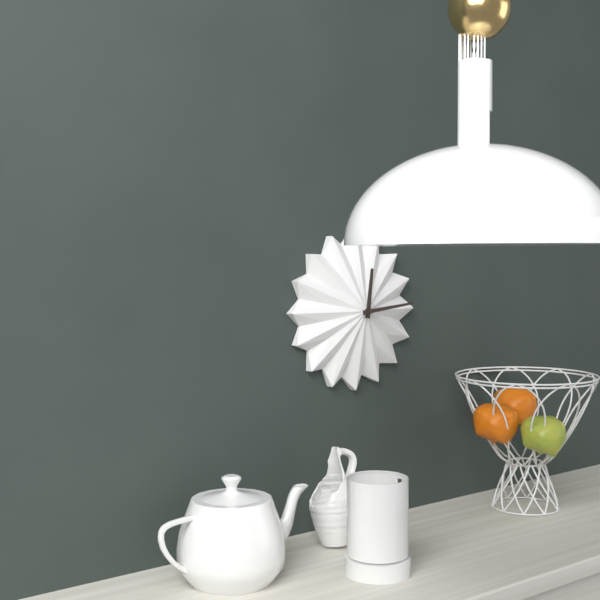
12:14
